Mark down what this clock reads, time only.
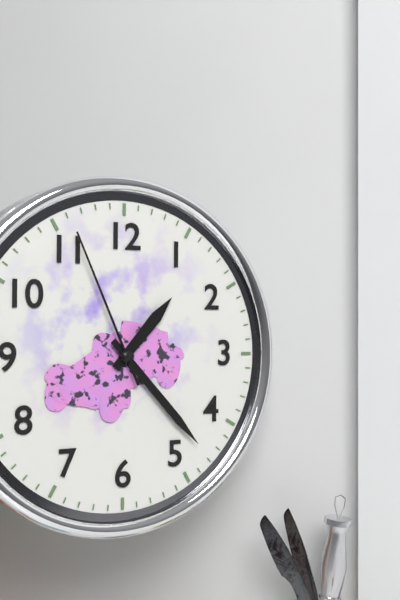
1:23:56
